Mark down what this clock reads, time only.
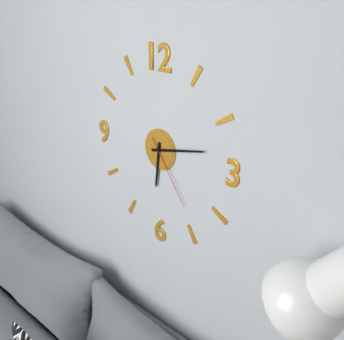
6:13:24
